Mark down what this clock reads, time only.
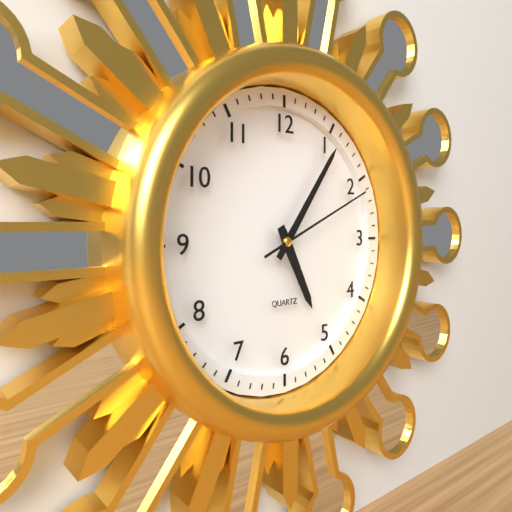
5:06:11
